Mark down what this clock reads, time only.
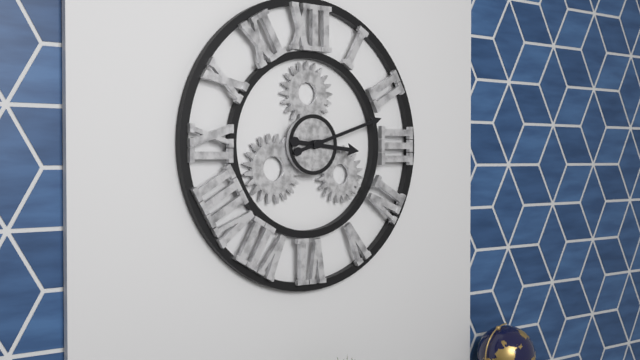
3:12
